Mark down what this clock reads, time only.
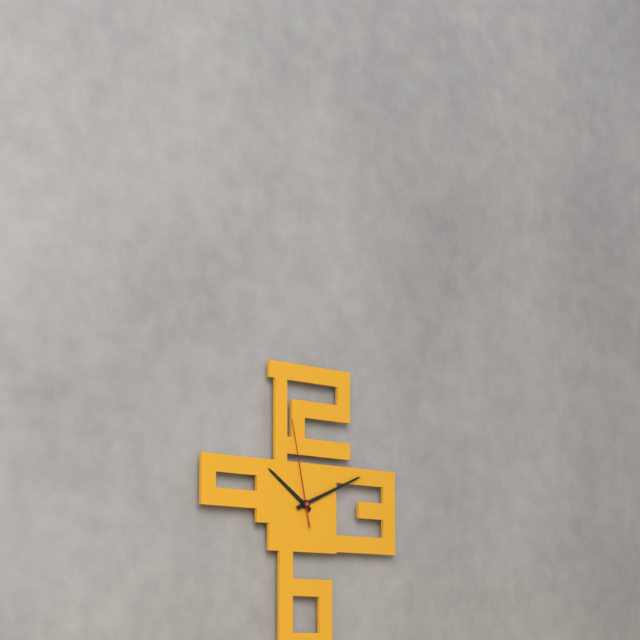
10:11:58
